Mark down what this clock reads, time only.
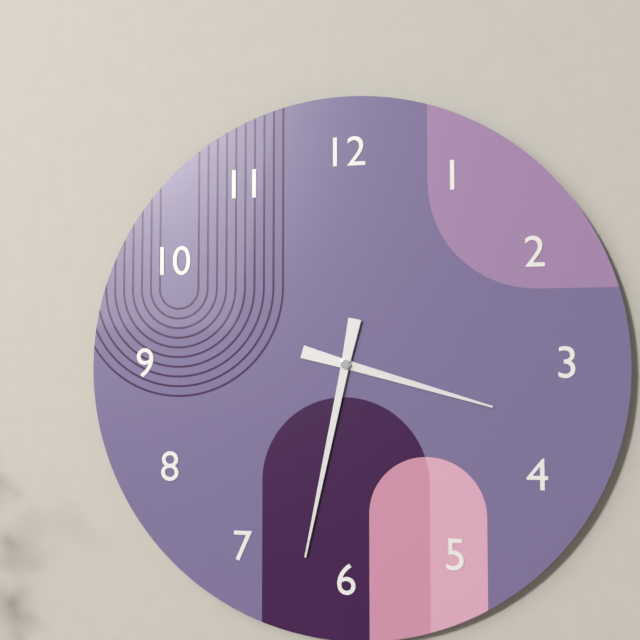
3:32
